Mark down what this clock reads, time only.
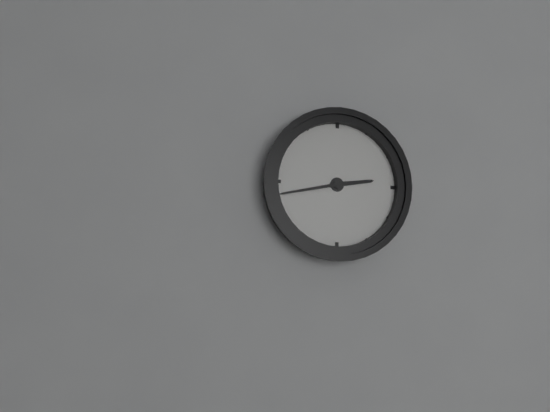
2:43
